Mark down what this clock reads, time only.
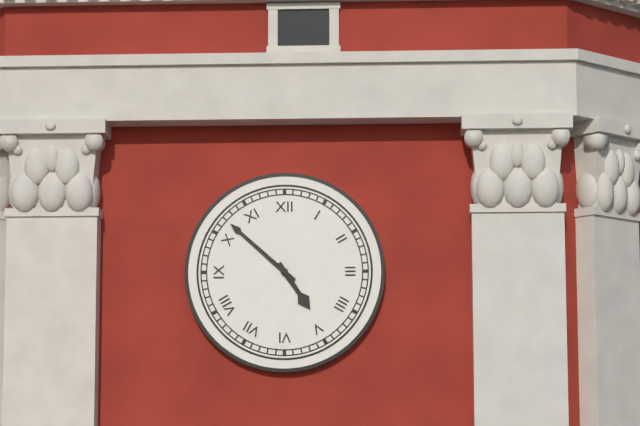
4:52
